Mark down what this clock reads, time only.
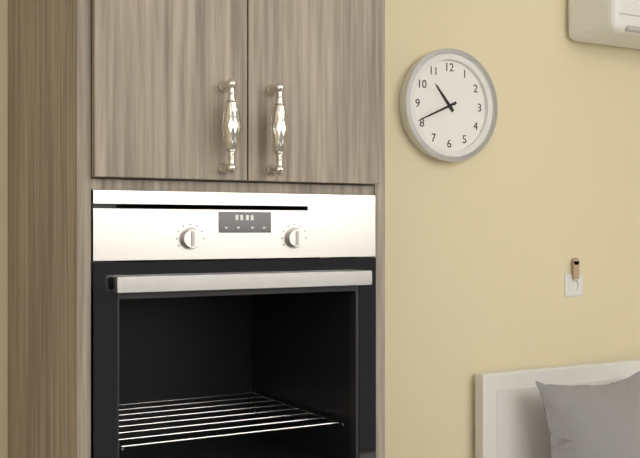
10:41
